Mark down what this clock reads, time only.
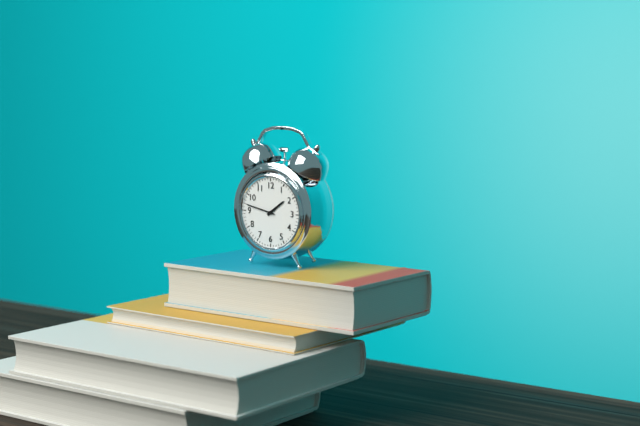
1:47
